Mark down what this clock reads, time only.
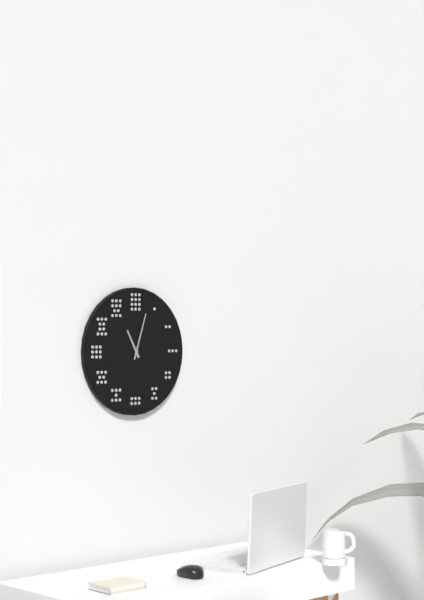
11:03
